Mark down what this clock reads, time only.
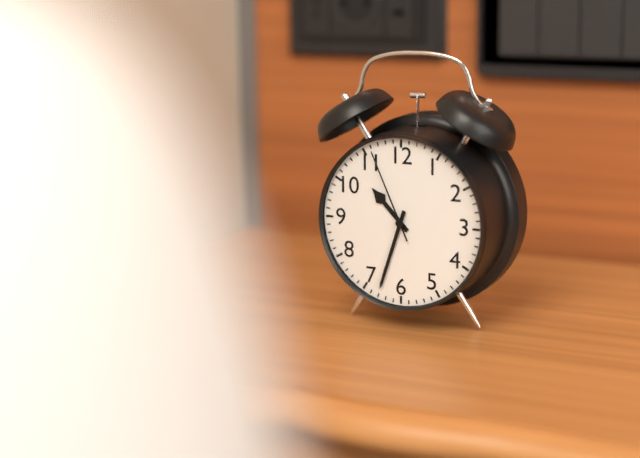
10:33:56
